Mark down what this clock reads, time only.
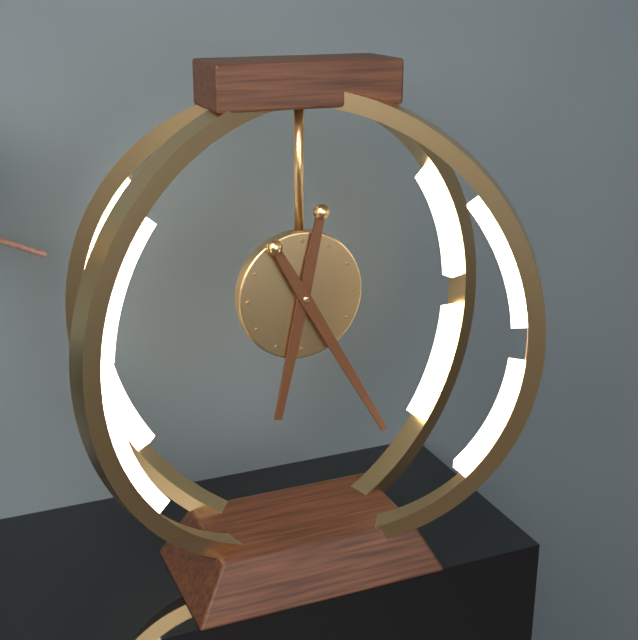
6:25
